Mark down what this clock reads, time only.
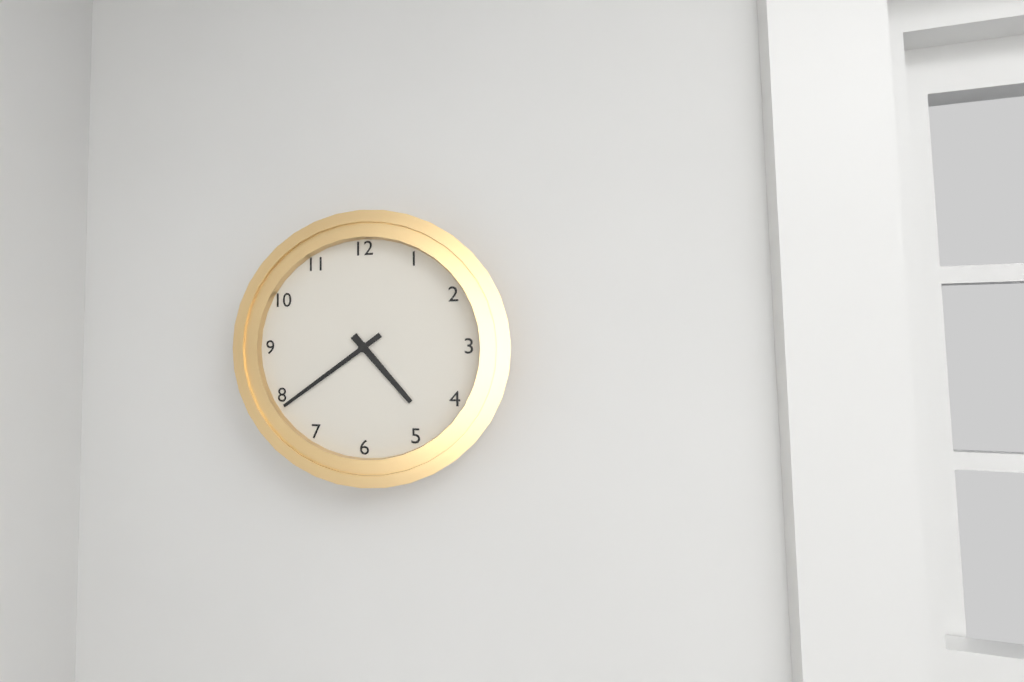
4:39
